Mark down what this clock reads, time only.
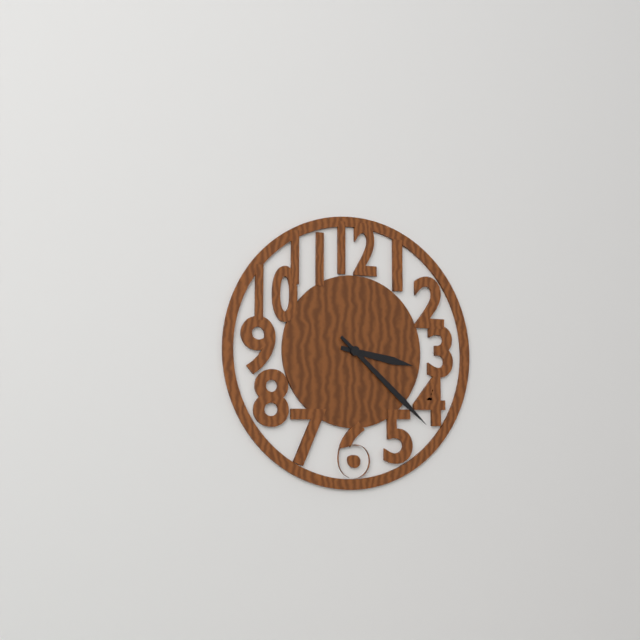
3:22
